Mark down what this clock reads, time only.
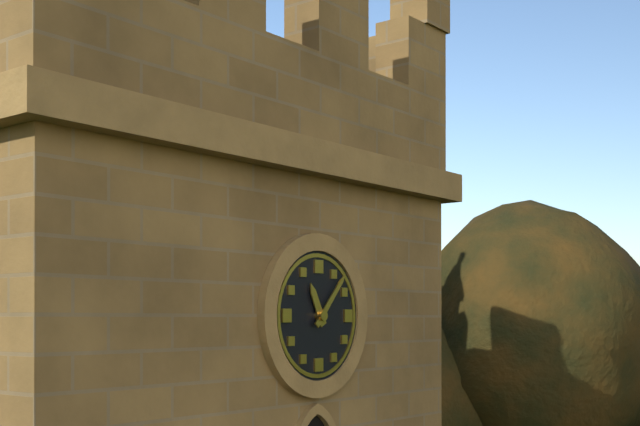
11:07
